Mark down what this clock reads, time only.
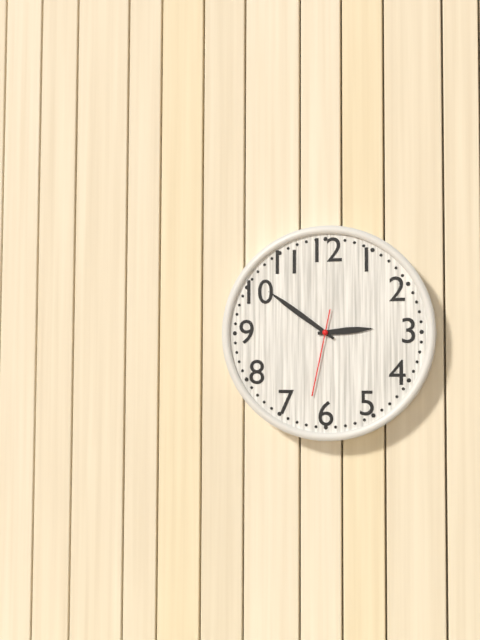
2:51:32
